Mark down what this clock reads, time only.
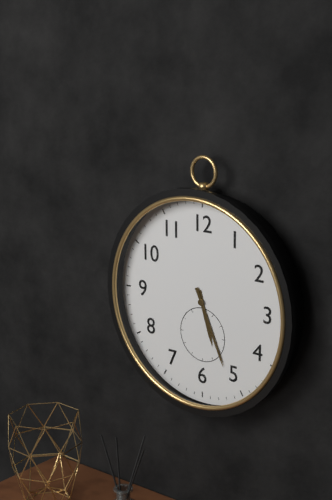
5:26
